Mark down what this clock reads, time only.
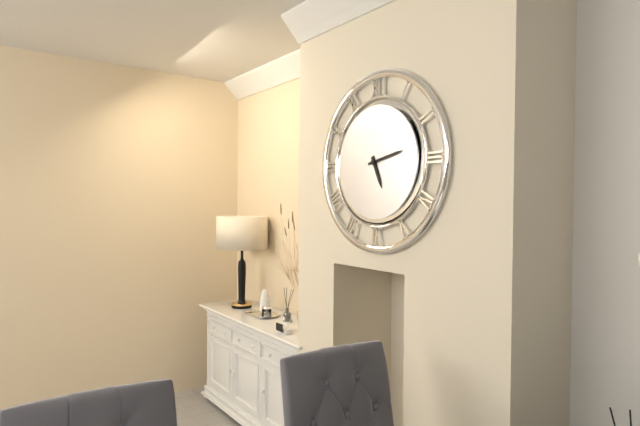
5:13
